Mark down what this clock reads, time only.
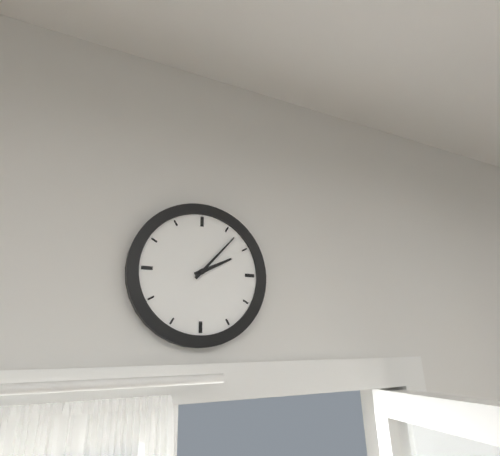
2:07
